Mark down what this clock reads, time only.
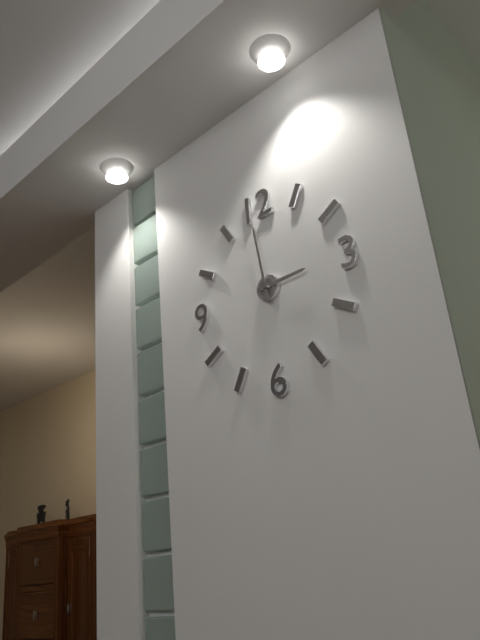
2:59
